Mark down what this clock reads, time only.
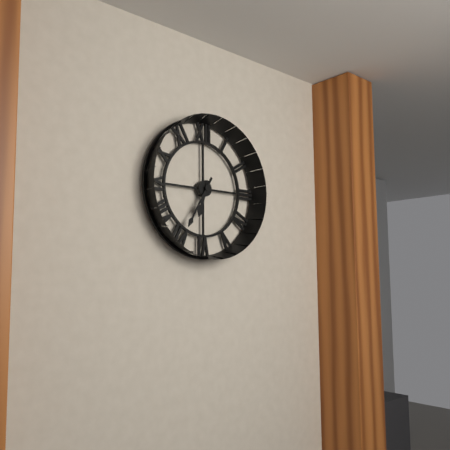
6:35
